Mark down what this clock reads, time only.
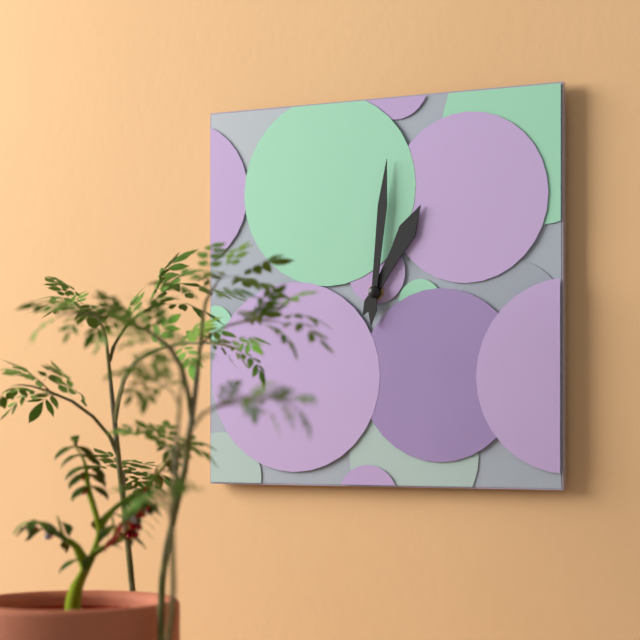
1:01
